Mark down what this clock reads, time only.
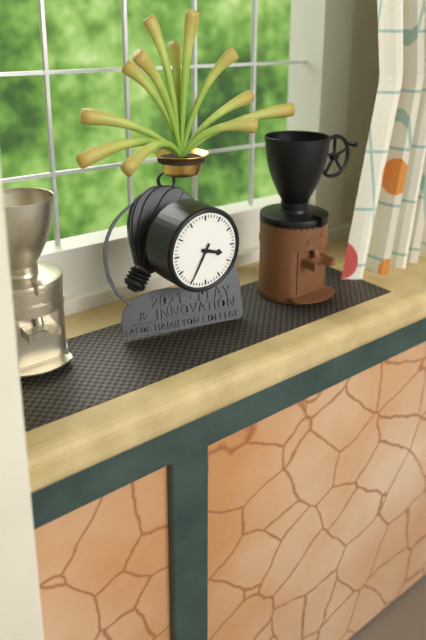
3:35
